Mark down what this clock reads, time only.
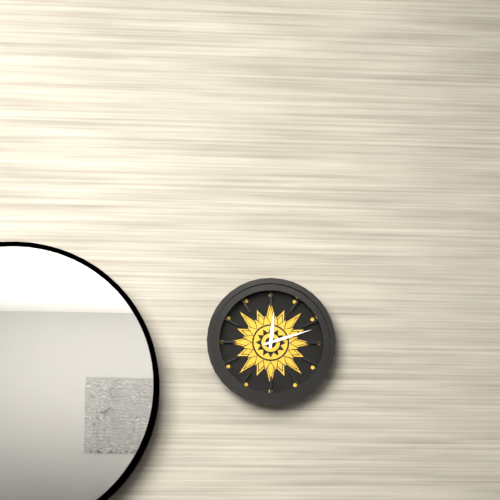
12:12
